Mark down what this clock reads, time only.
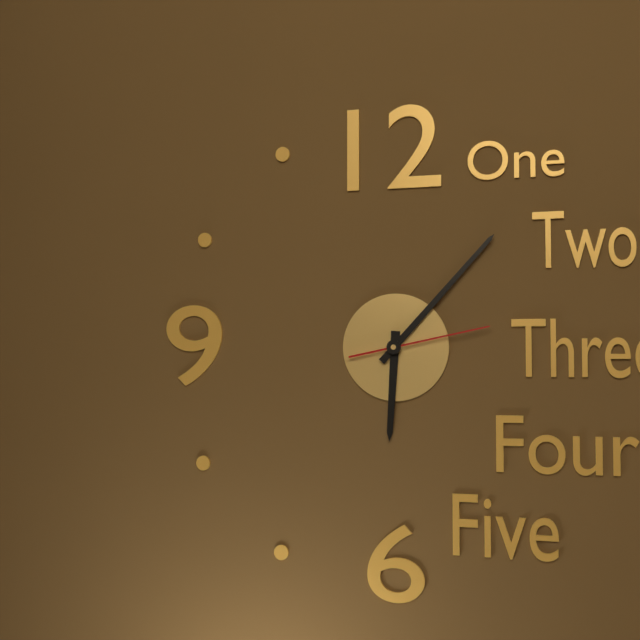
6:07:13
